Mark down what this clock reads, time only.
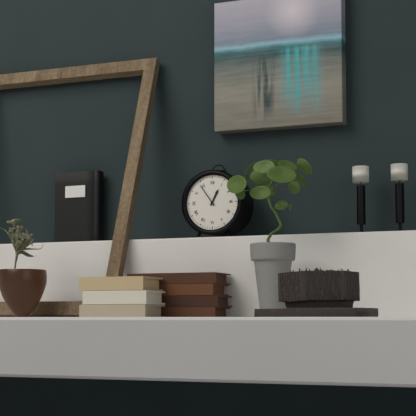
12:54
